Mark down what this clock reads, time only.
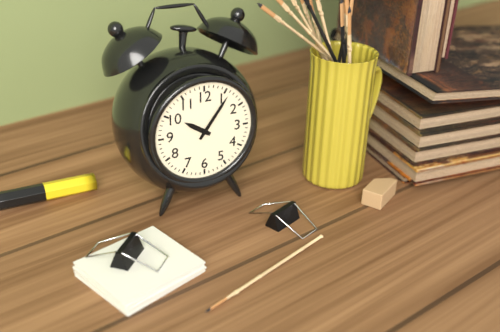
10:06
